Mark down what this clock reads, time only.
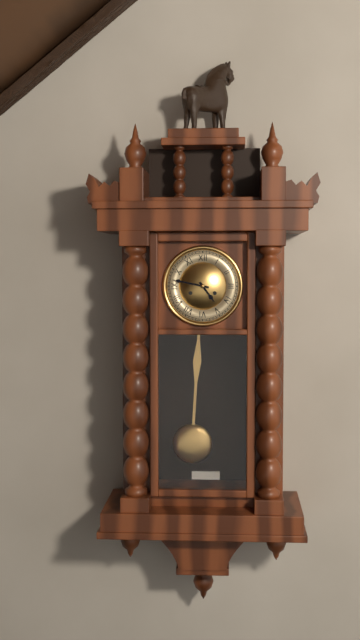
4:47
